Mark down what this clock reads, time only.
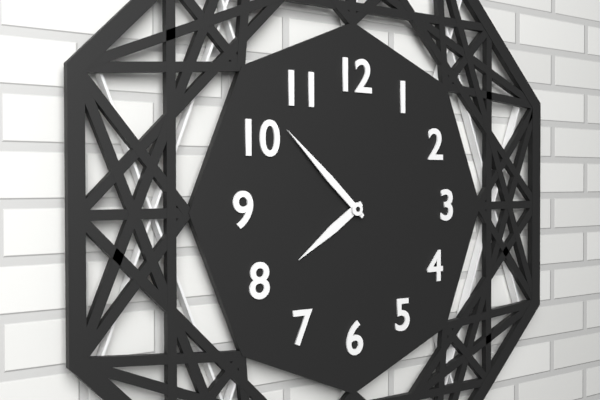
7:52
